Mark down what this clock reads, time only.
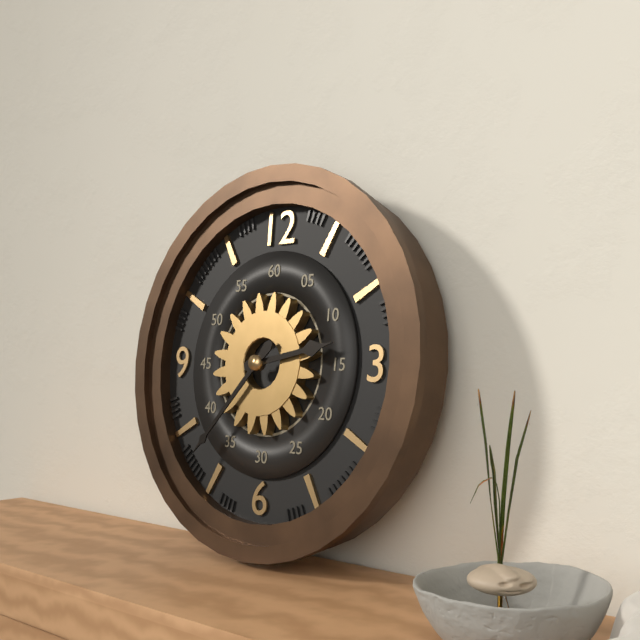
2:37
